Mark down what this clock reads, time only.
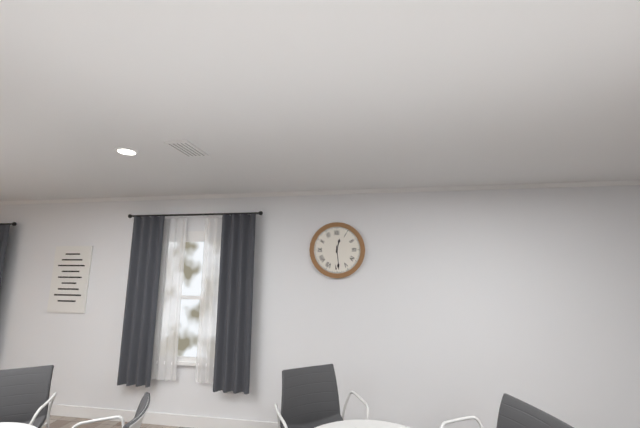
12:29
